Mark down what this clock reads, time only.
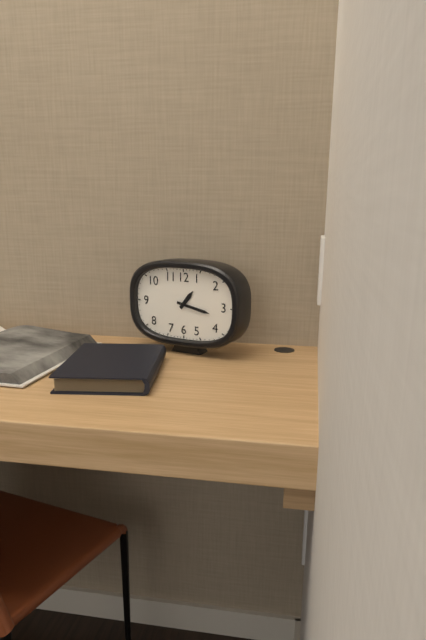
1:17
